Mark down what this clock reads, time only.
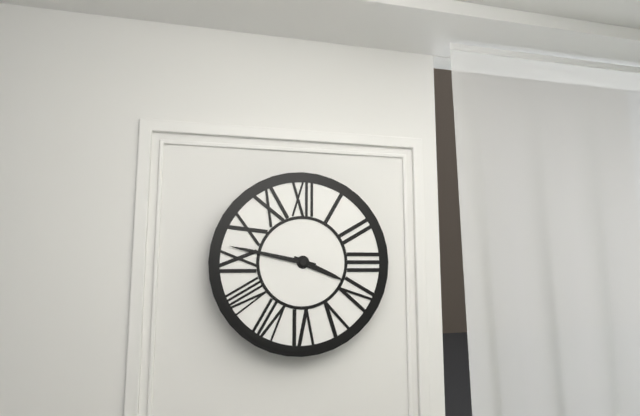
3:47
